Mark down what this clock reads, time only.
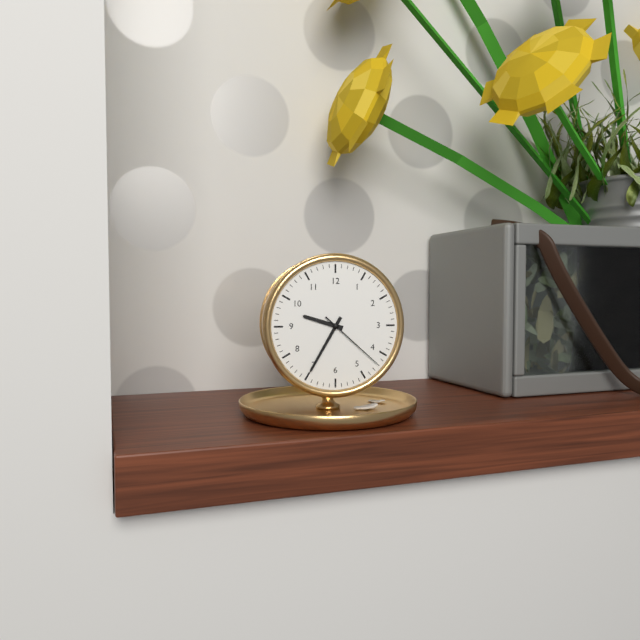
9:35:22
